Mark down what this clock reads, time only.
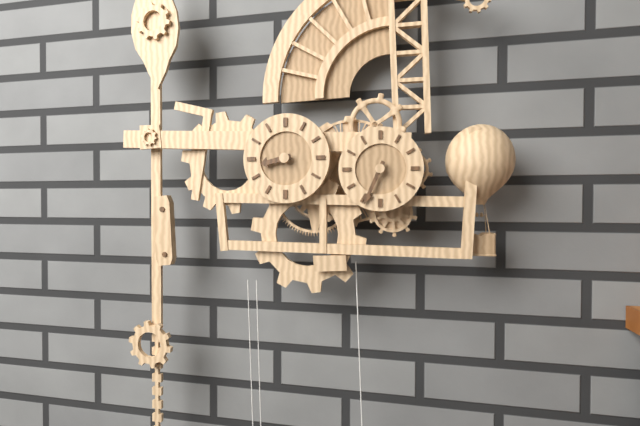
8:34
